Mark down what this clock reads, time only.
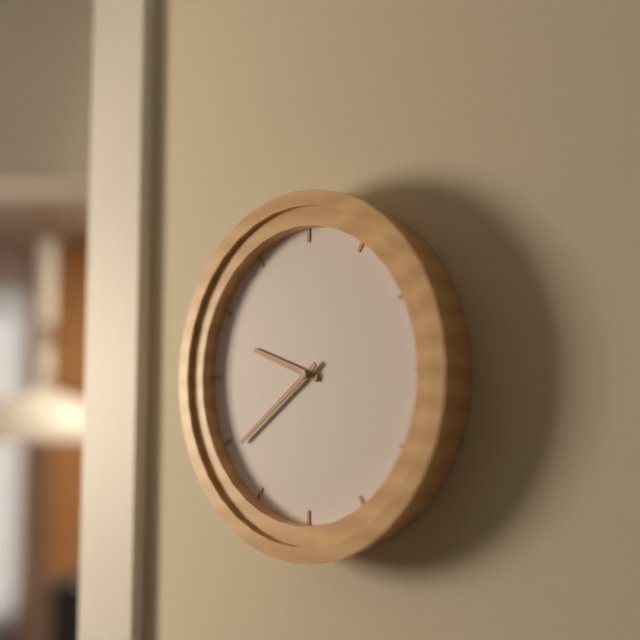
9:39
